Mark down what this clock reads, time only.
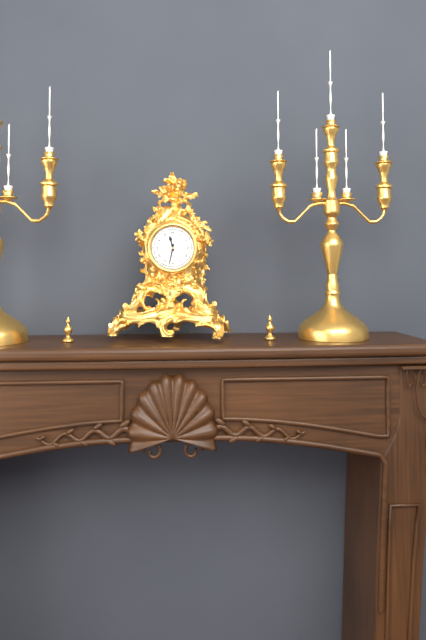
11:32
